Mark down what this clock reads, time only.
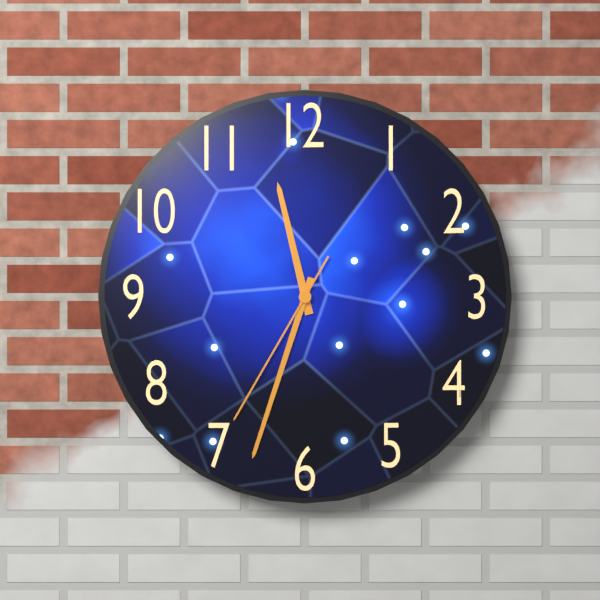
11:33:35
